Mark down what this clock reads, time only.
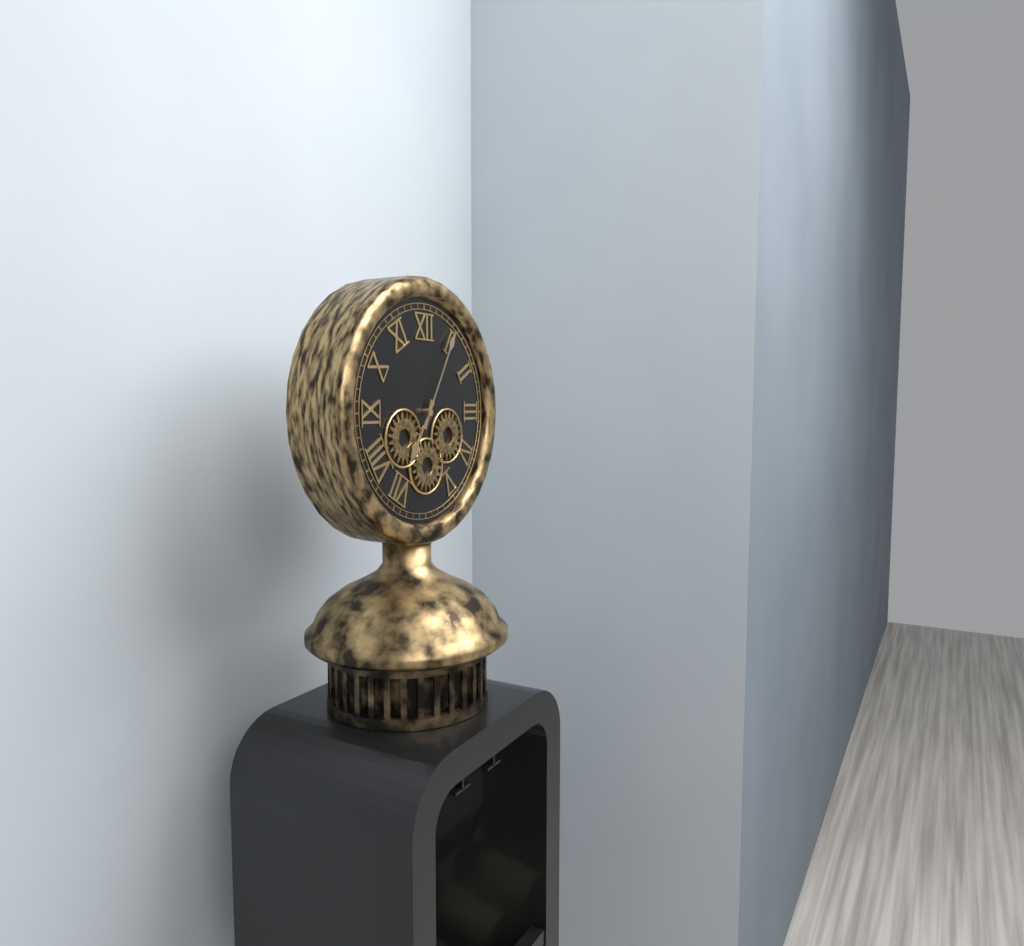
7:05
